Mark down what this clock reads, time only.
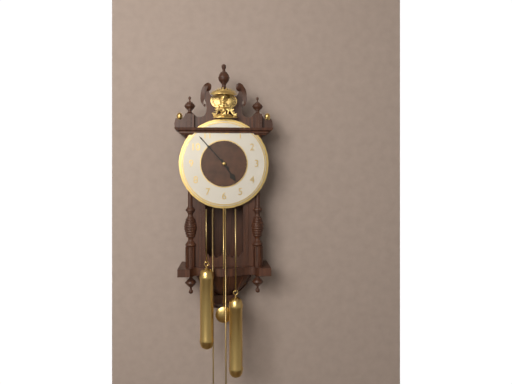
4:53
